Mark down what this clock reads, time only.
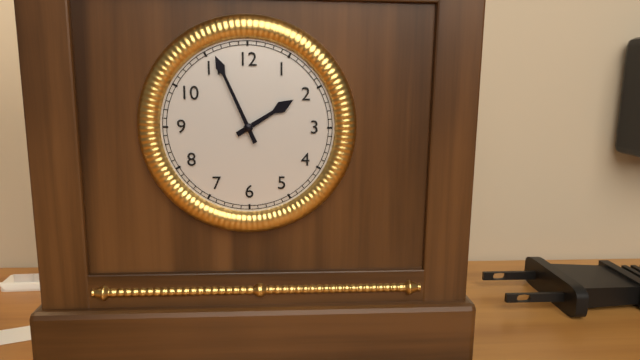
1:56
